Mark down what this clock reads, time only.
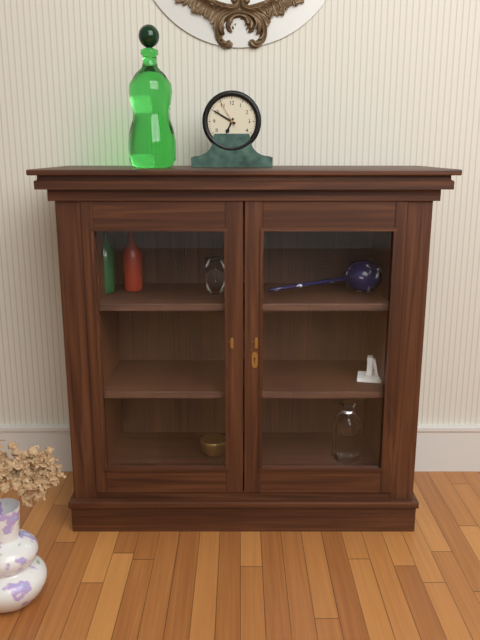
6:50
